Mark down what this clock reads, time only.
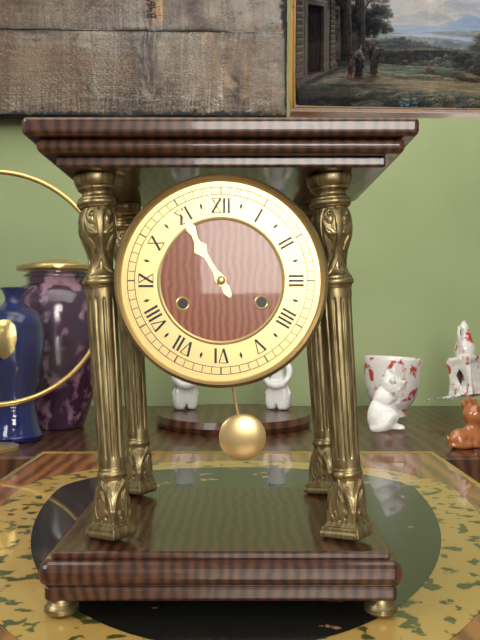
10:55
